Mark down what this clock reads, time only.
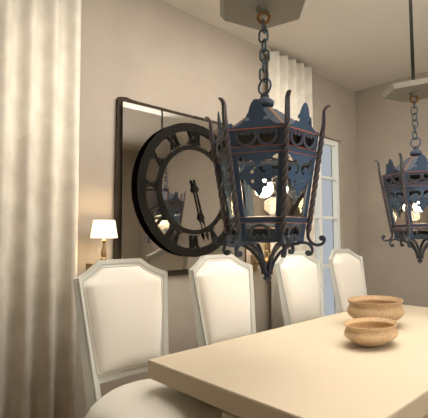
5:27
